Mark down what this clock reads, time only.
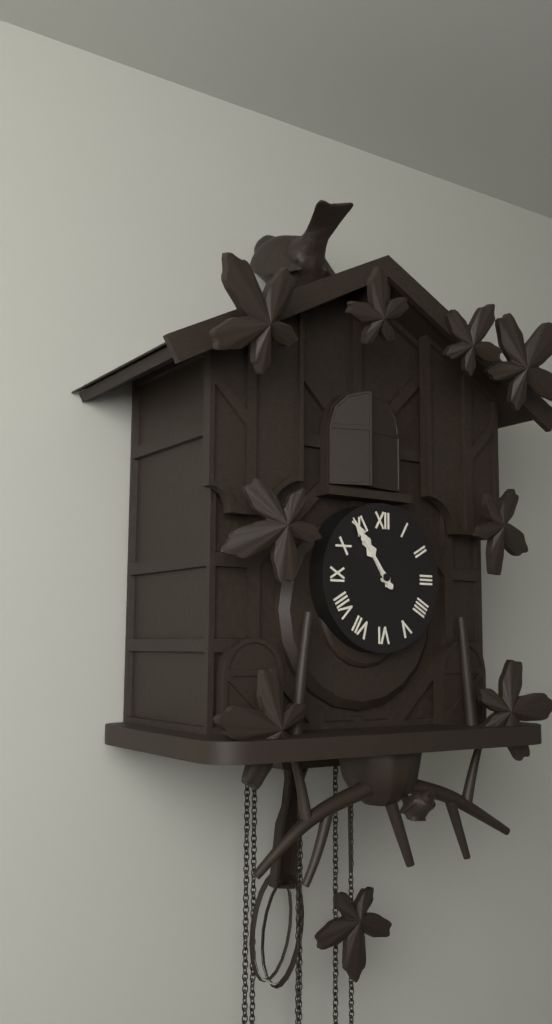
10:54
